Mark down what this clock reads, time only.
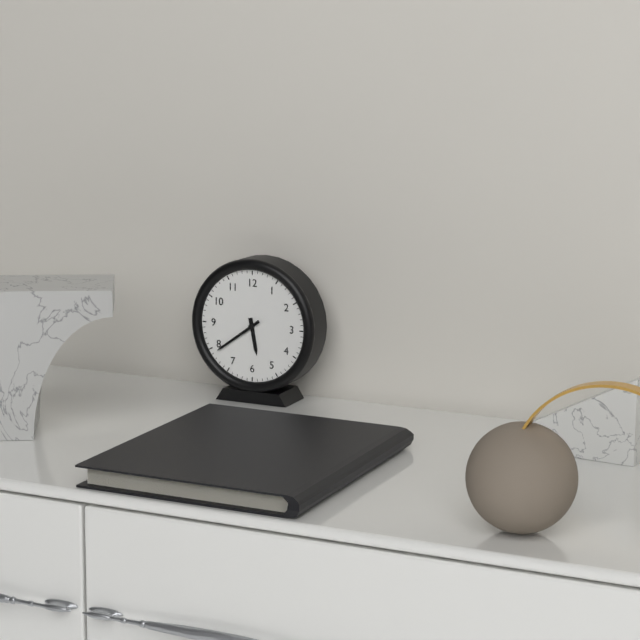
5:39
